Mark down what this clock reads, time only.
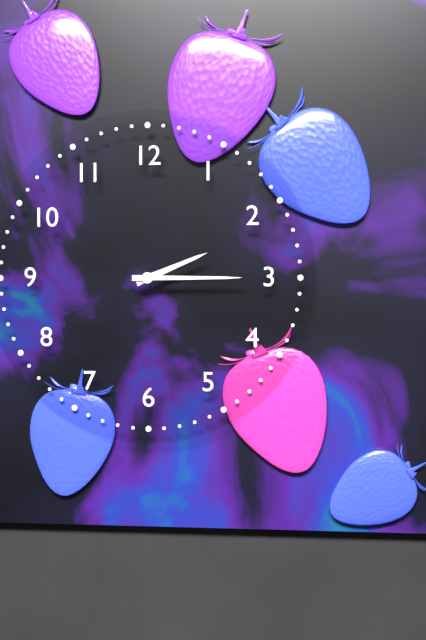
2:15
